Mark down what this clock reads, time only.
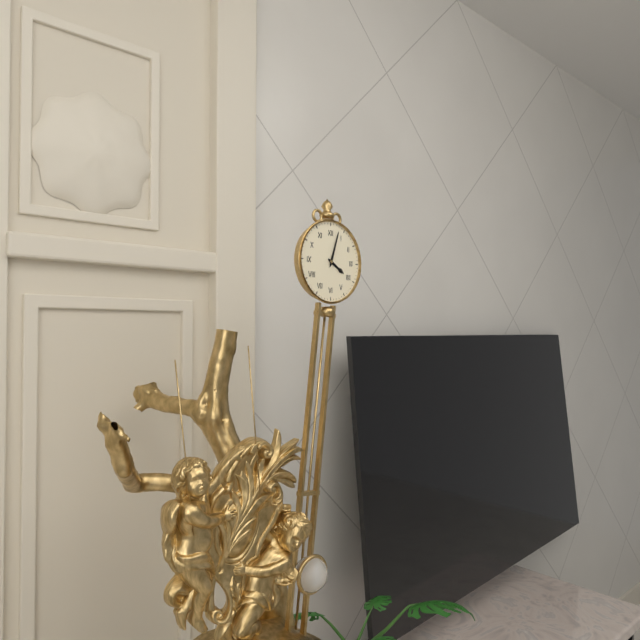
4:03
